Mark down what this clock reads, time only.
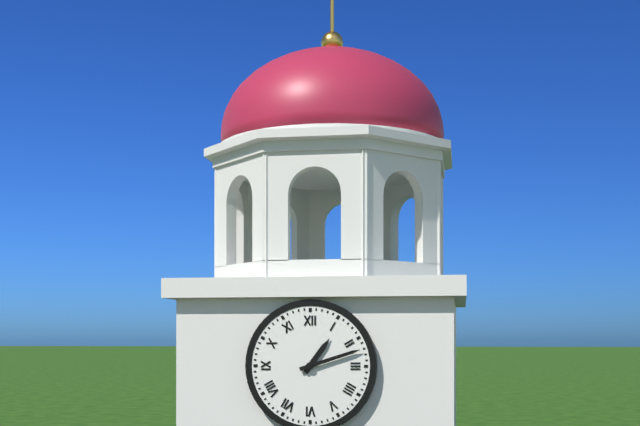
1:12
